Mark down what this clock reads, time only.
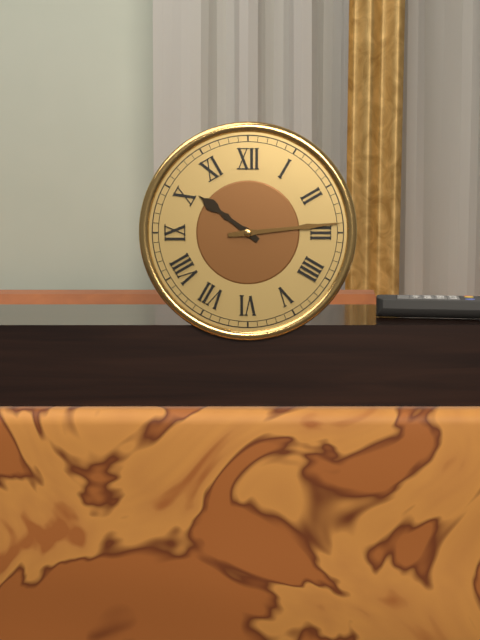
10:14
